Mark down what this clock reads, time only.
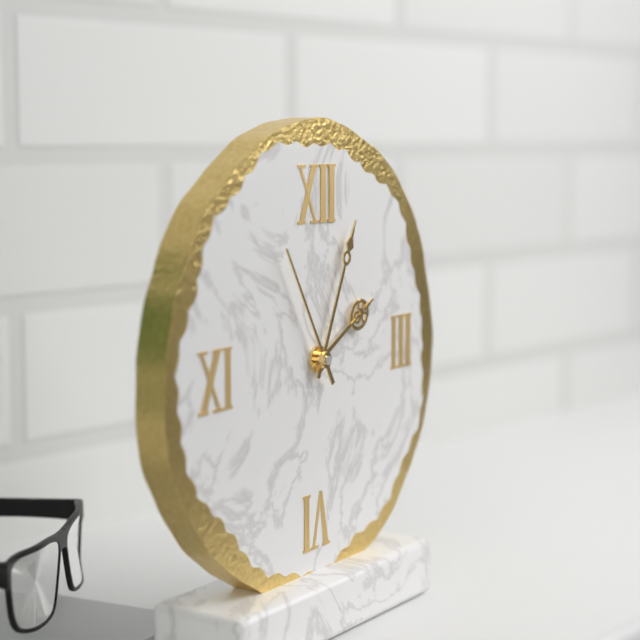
2:04:55
